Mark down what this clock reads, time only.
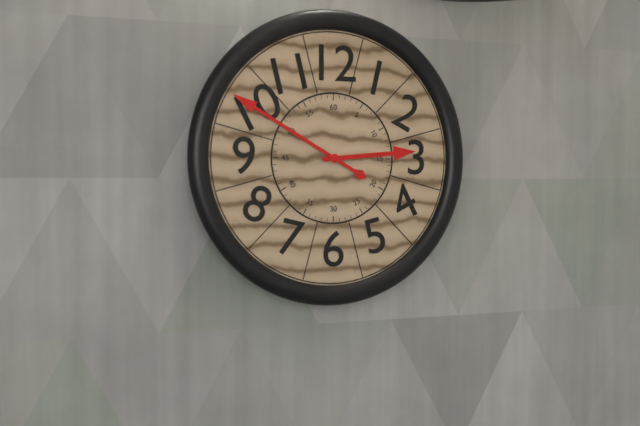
2:50
